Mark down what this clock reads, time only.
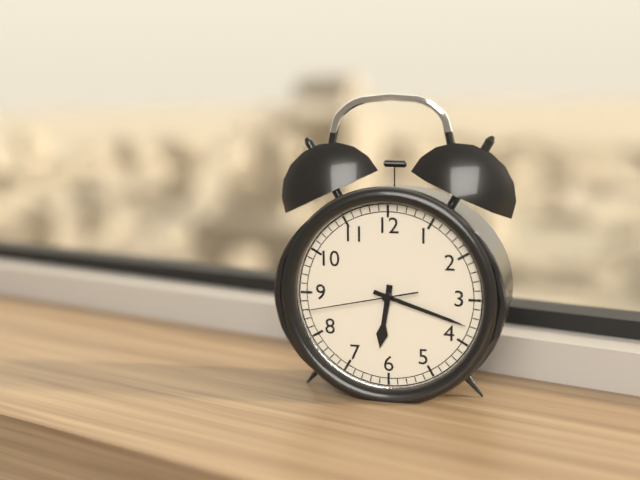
6:18:43
